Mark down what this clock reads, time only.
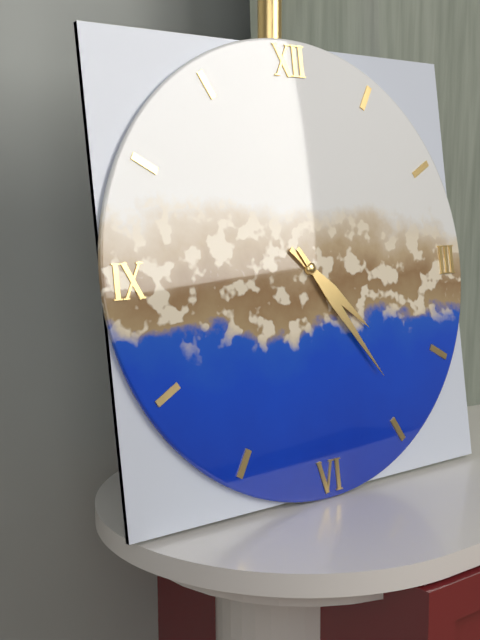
4:24
